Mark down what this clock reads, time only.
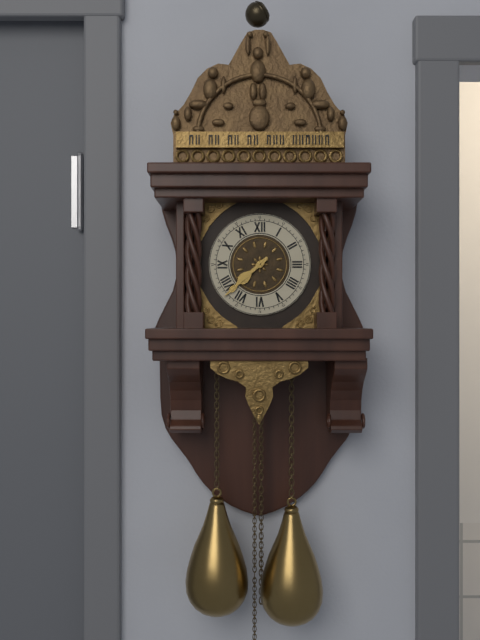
7:38
